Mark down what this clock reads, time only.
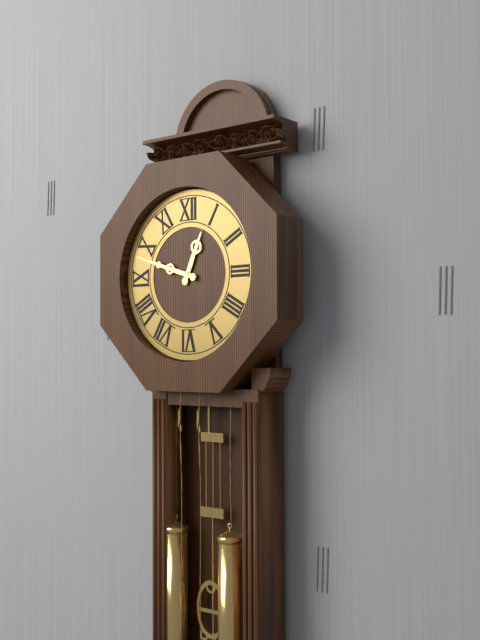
12:48
